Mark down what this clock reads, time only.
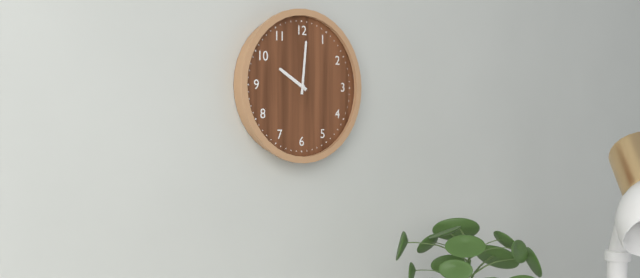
10:01
